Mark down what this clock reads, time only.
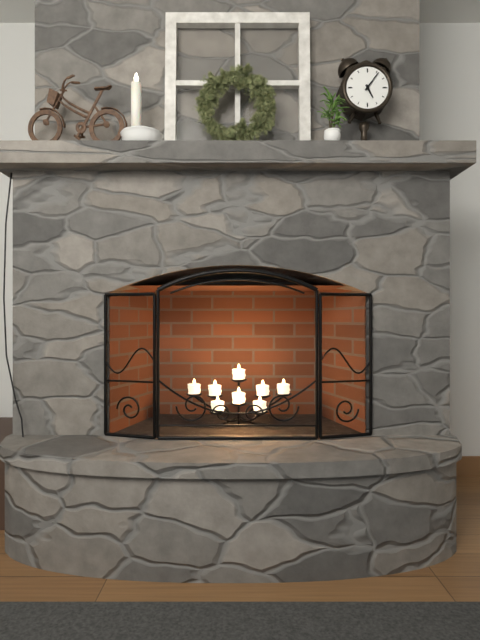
5:06
